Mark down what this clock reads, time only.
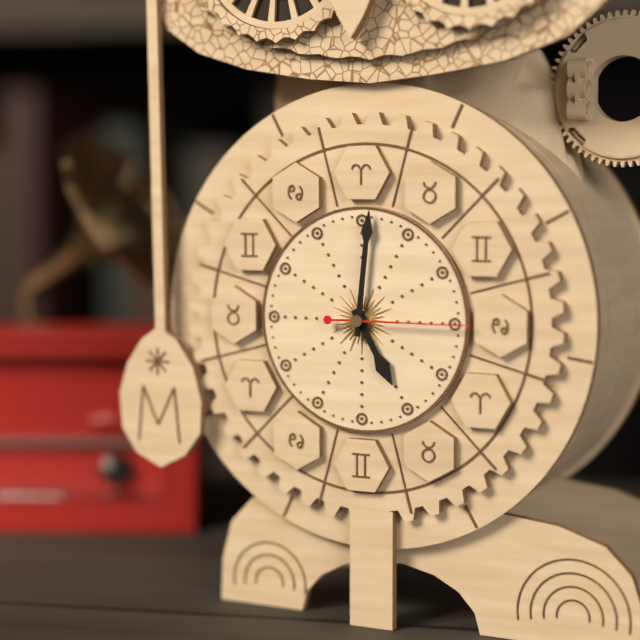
5:01:15
